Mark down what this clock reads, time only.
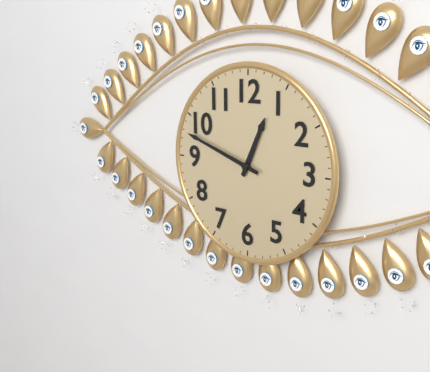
12:48
